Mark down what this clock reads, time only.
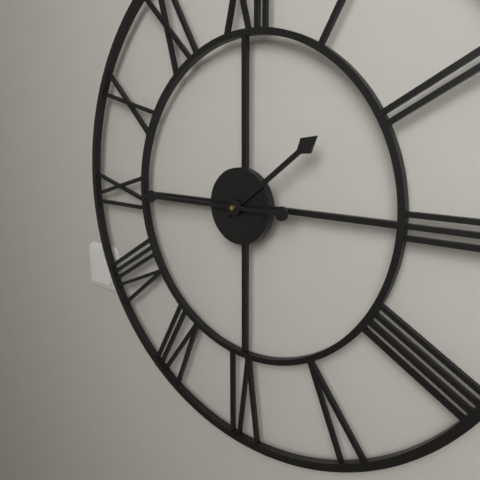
1:45
